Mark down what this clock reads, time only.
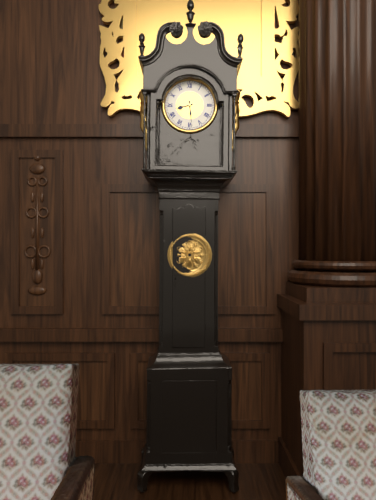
8:29
